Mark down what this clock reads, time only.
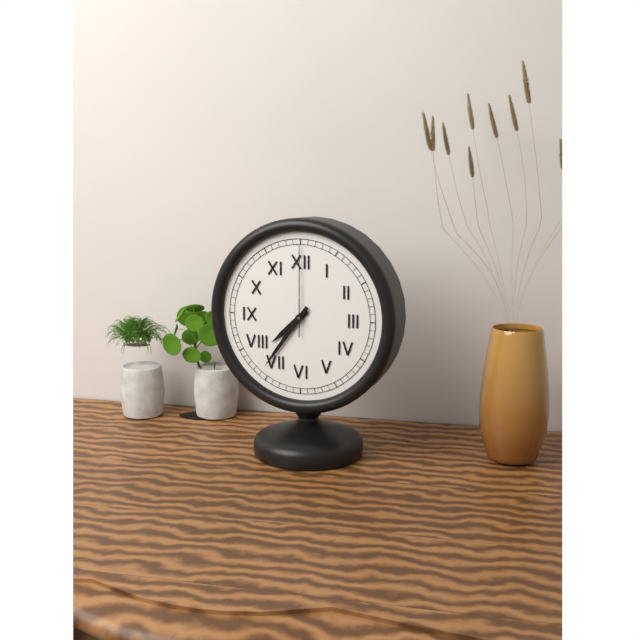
7:36:00
